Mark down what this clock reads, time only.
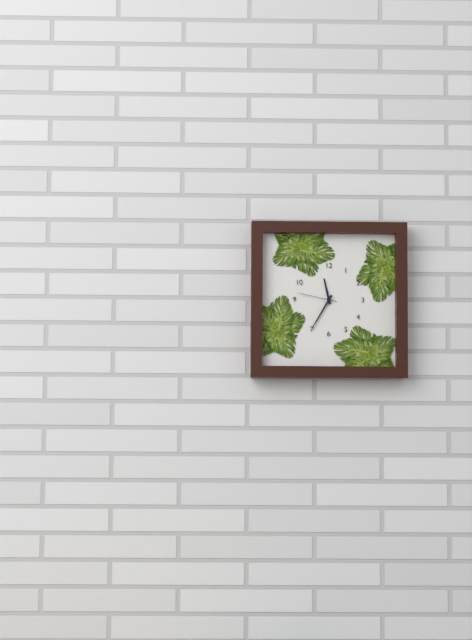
11:35
